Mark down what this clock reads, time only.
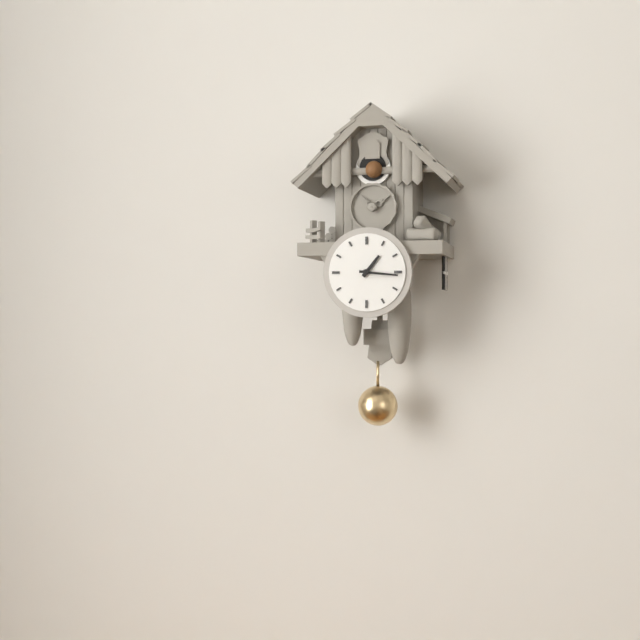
1:16
